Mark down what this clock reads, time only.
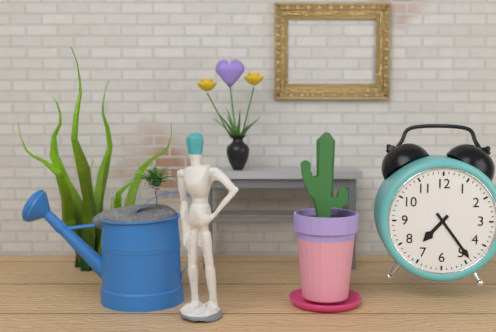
7:24
